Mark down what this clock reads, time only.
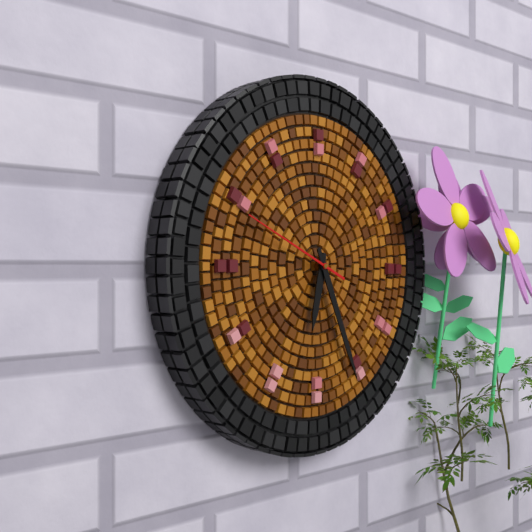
6:26:49
